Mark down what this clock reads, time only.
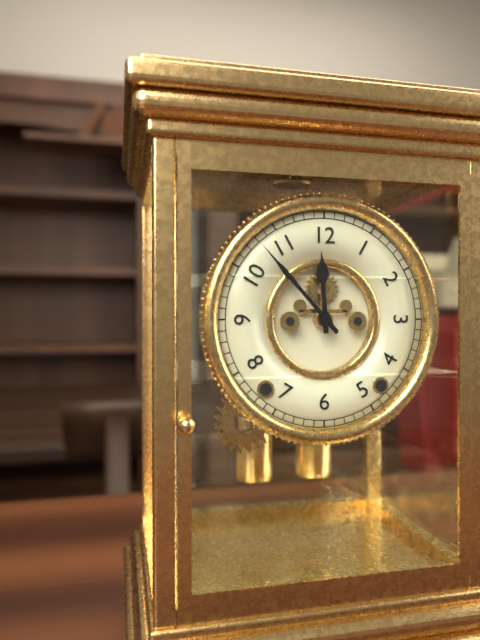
11:53
